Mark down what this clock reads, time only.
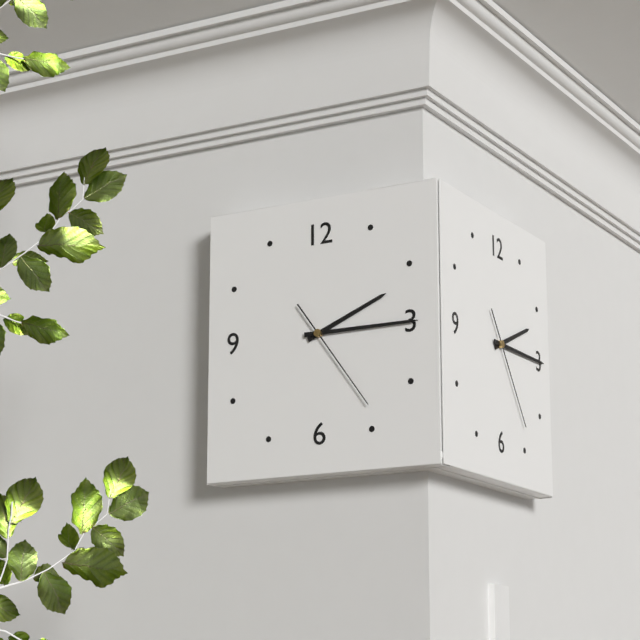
2:15:24
